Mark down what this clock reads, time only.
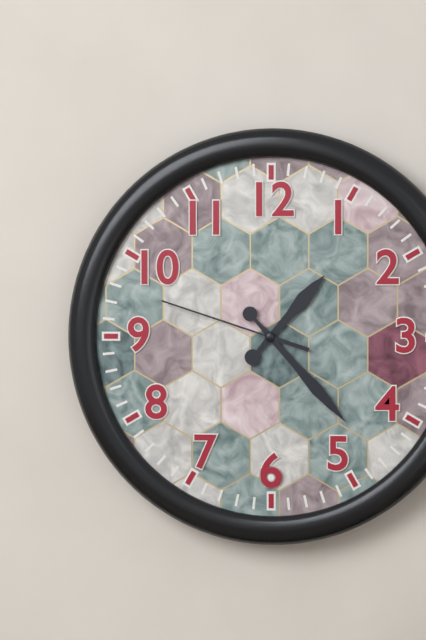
1:23:48
